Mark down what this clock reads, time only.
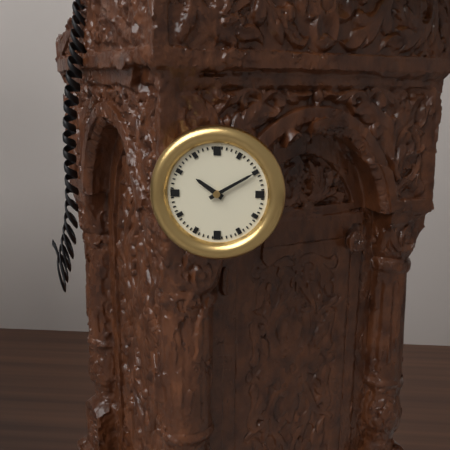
10:10
